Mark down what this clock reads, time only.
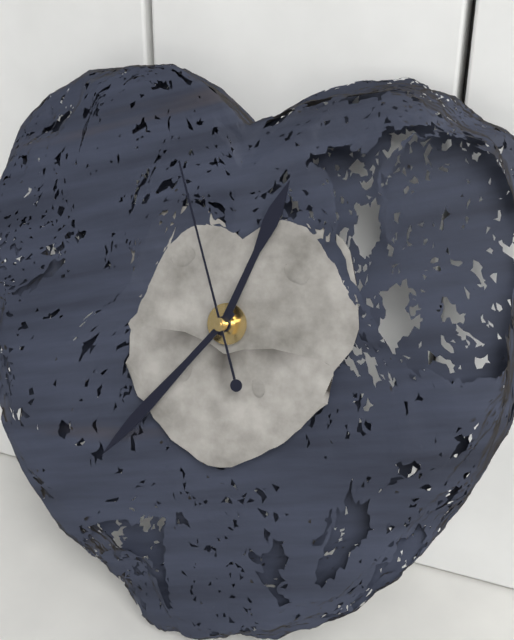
12:36:56
